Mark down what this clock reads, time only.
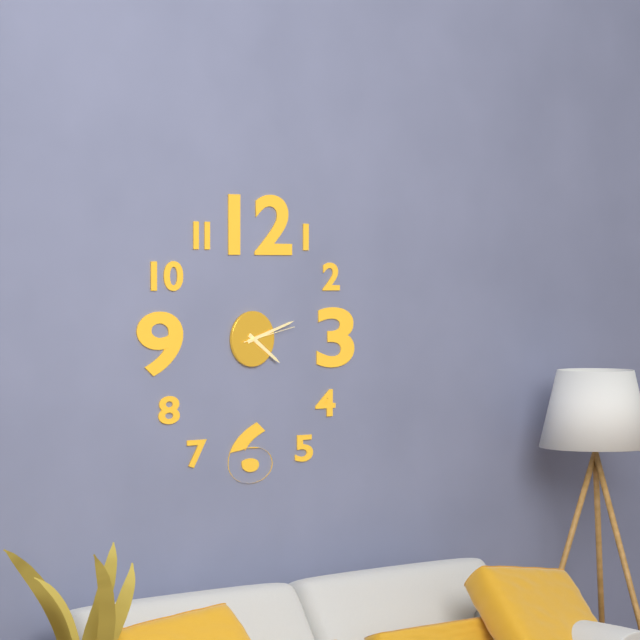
4:12:13
